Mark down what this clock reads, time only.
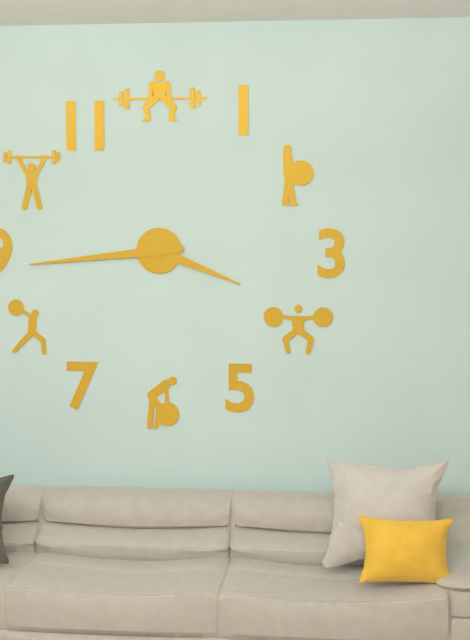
3:44
